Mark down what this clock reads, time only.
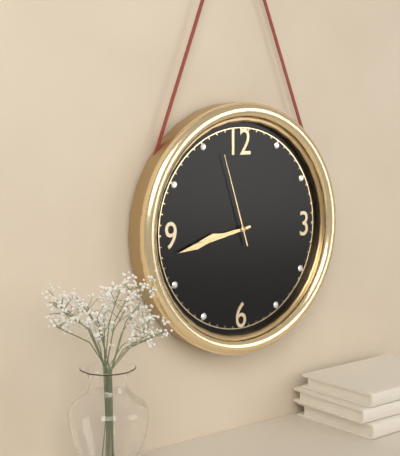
8:43:57
